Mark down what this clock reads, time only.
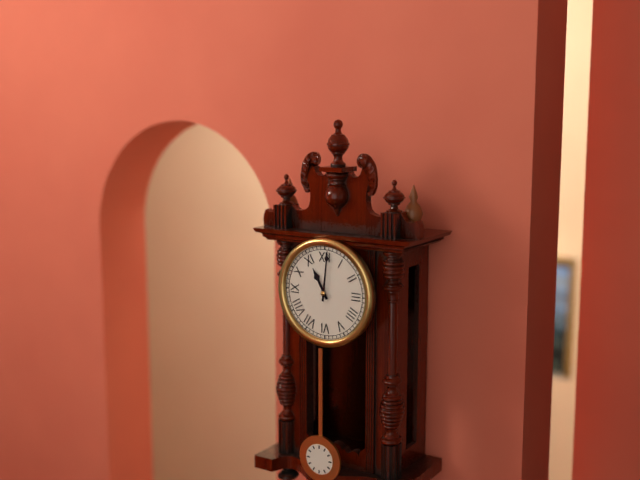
11:01
